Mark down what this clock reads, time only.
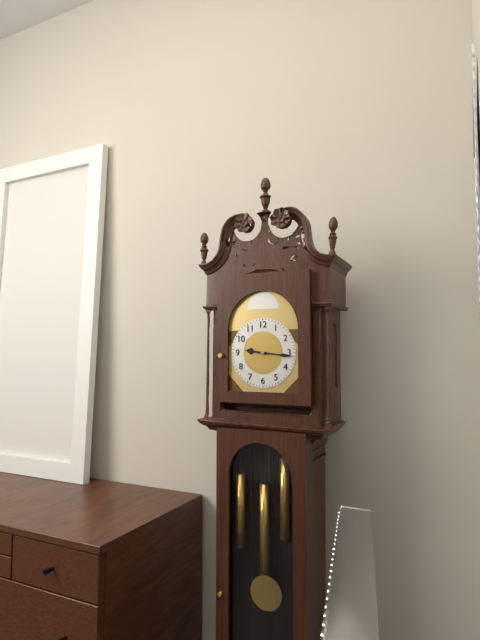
9:16
